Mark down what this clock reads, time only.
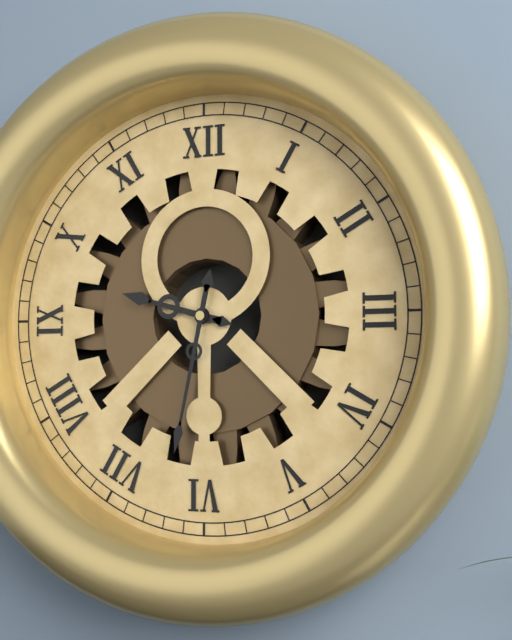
9:32
